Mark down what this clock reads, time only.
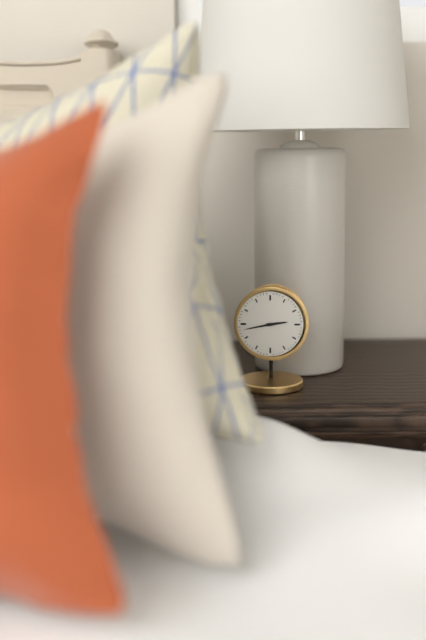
2:43
